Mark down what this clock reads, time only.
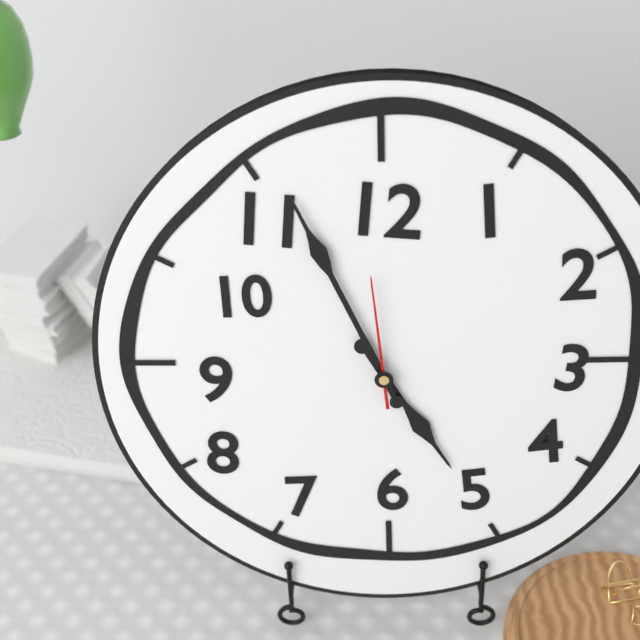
4:56:59
